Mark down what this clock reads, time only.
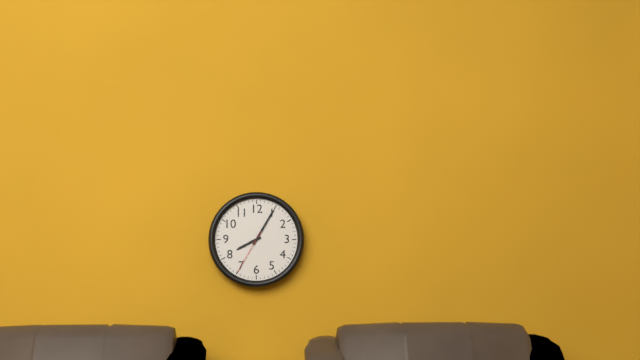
8:05
